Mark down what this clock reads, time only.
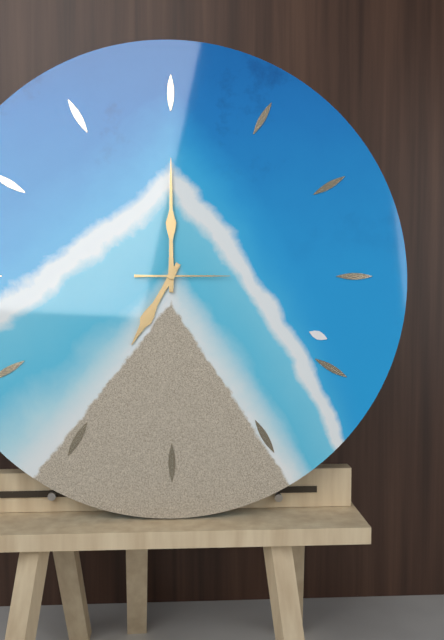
7:00:15
